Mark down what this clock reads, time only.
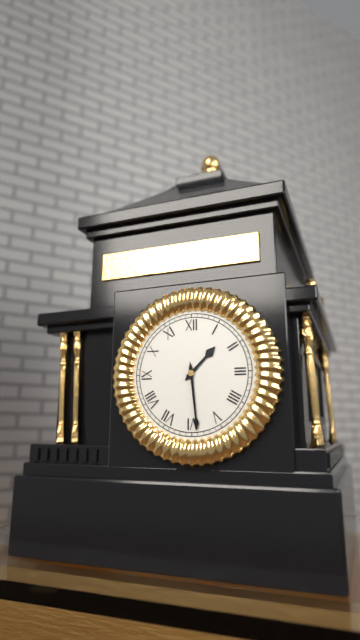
1:29
